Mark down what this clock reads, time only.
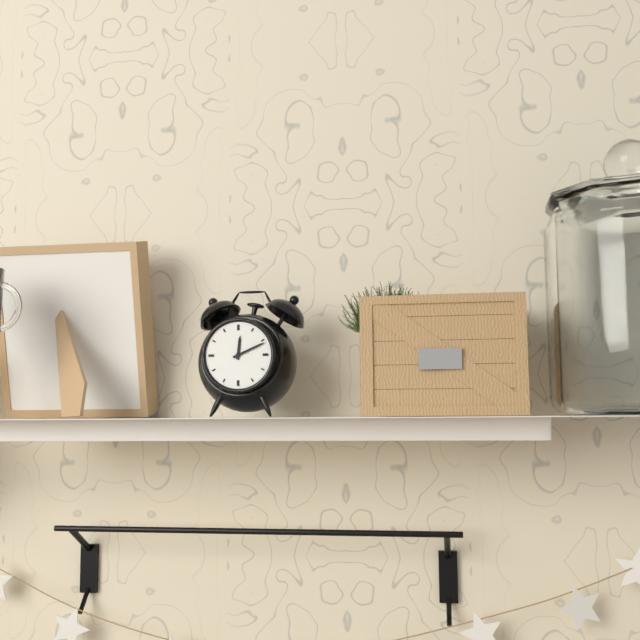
12:11
